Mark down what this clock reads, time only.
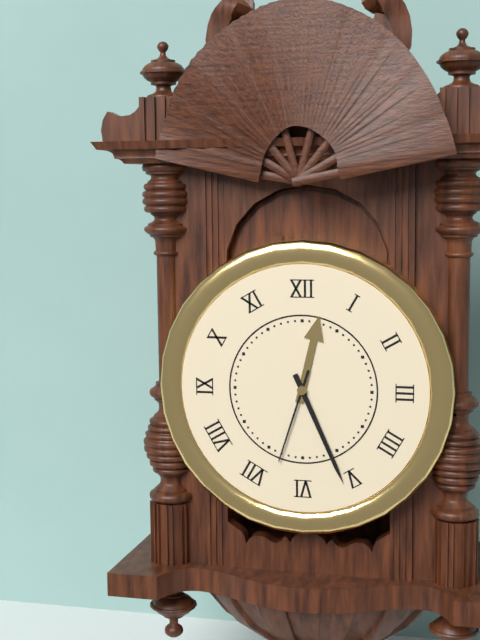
12:26:33
